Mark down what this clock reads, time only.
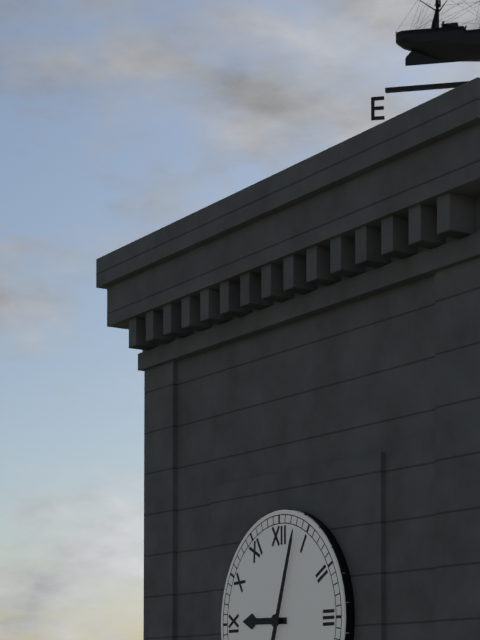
9:03
